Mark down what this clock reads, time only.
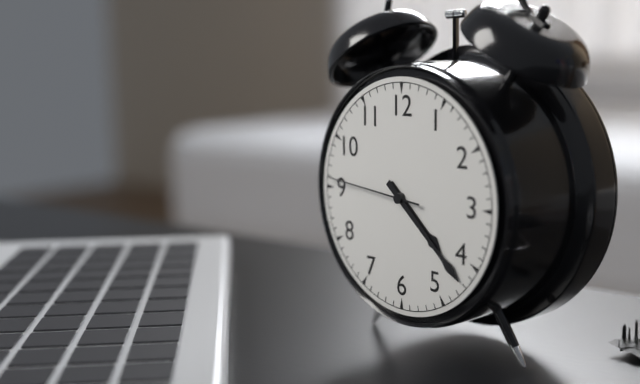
4:22:46
